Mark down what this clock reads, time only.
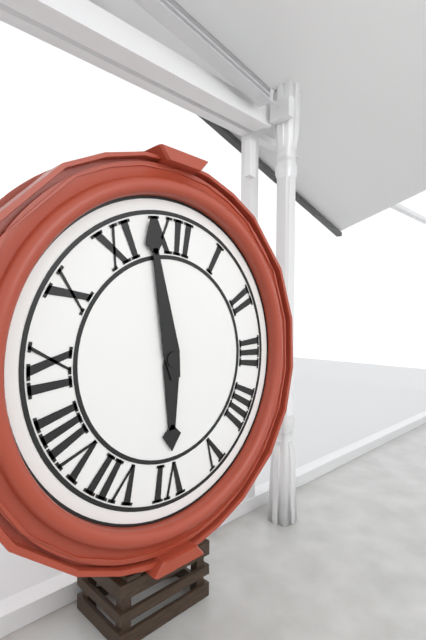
5:58
